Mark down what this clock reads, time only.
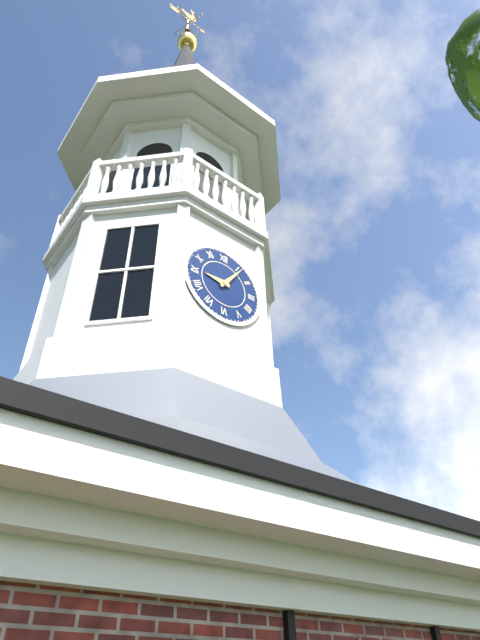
9:06
